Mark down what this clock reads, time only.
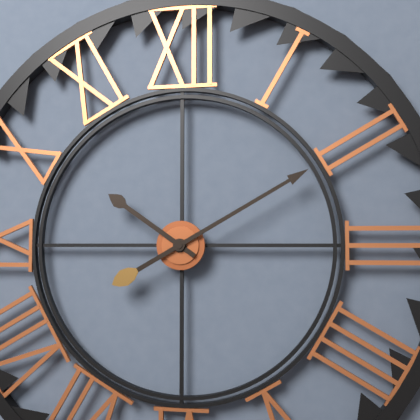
10:10
